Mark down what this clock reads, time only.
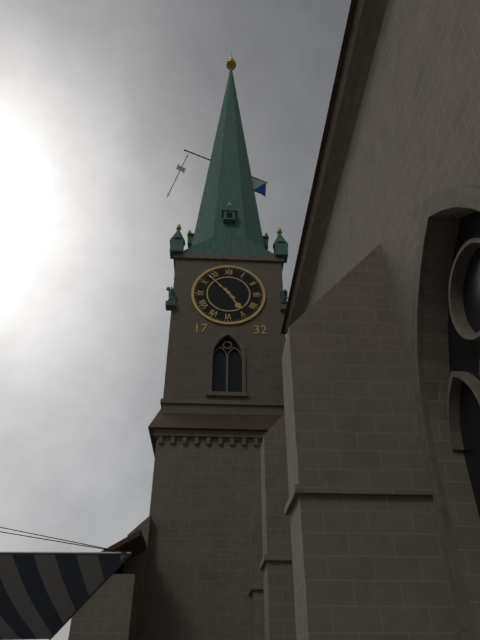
4:53
